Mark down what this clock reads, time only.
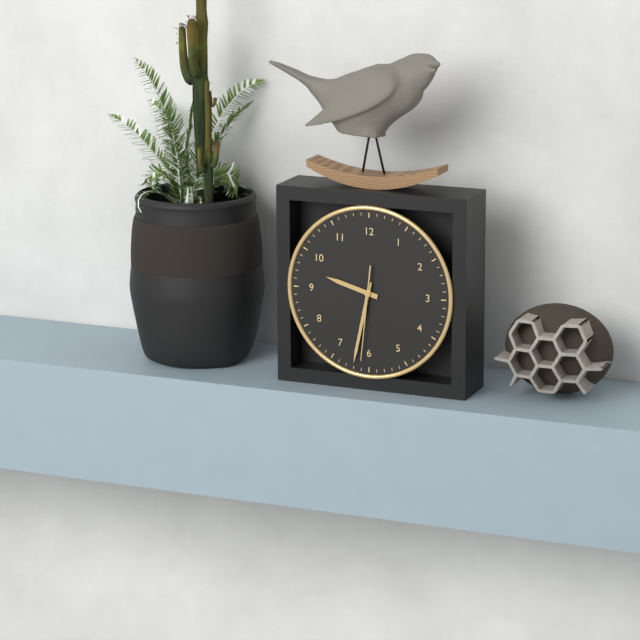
9:32:31
